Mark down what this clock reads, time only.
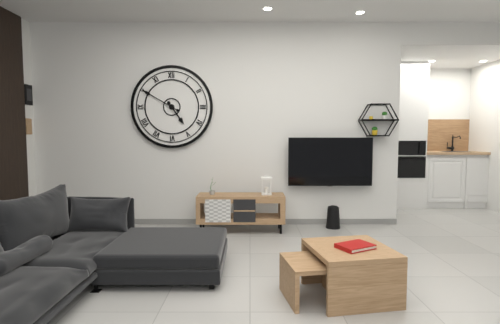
4:50
